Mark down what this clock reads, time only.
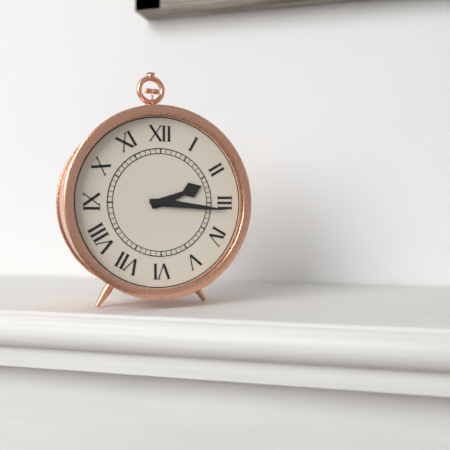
2:16
